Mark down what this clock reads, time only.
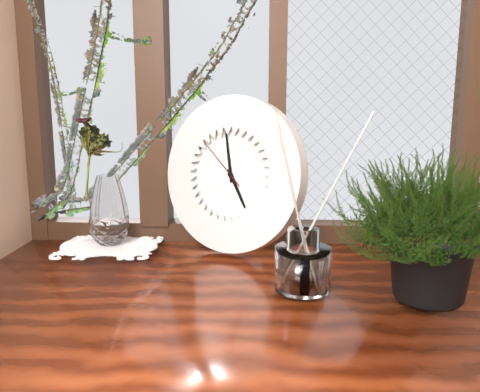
4:58:52
